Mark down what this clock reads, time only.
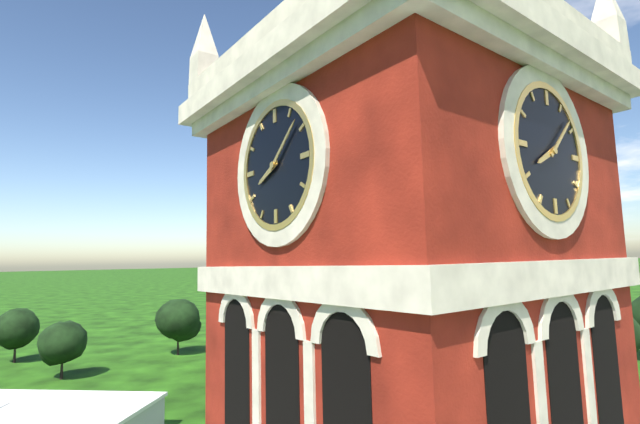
8:08
